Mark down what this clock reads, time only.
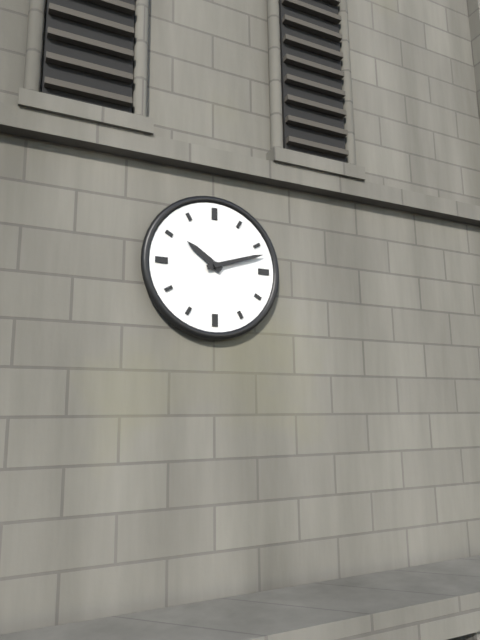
10:12
